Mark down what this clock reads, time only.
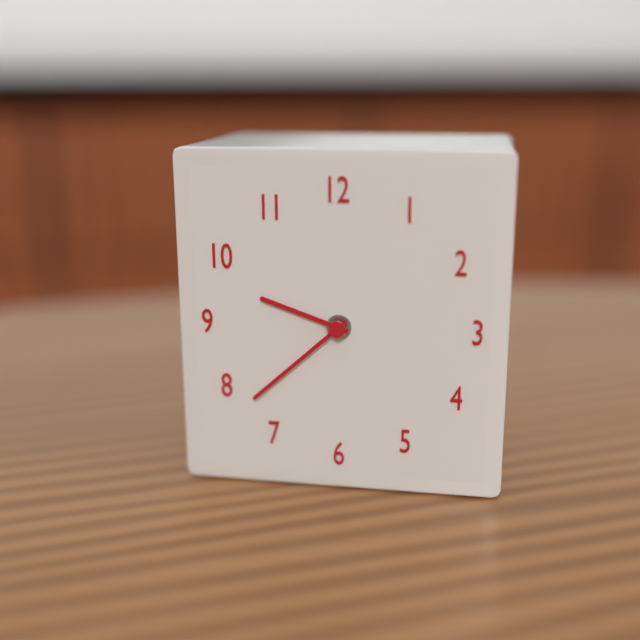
9:38
